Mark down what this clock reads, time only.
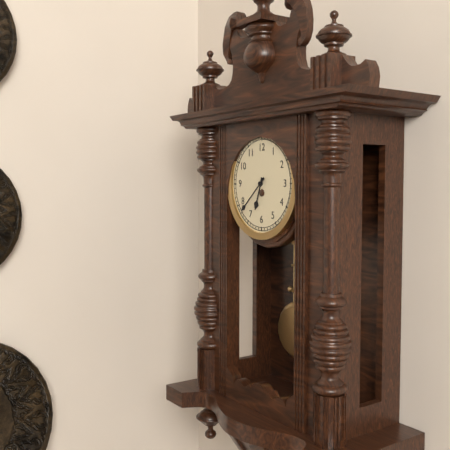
6:38
